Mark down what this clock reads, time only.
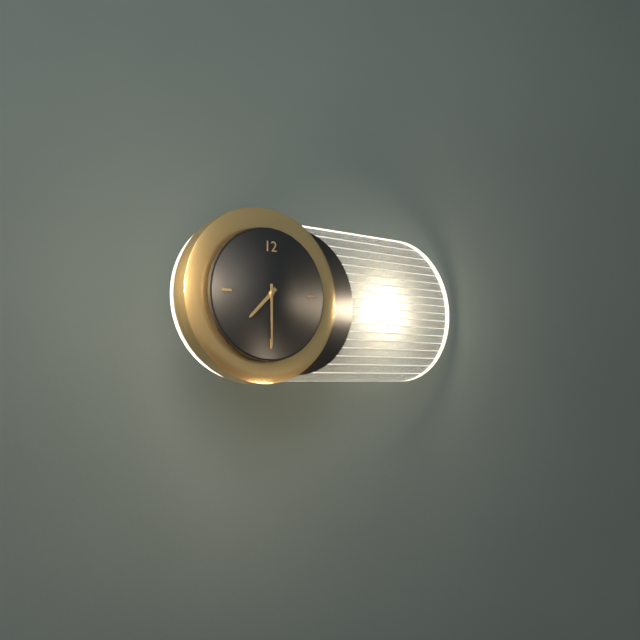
7:30
